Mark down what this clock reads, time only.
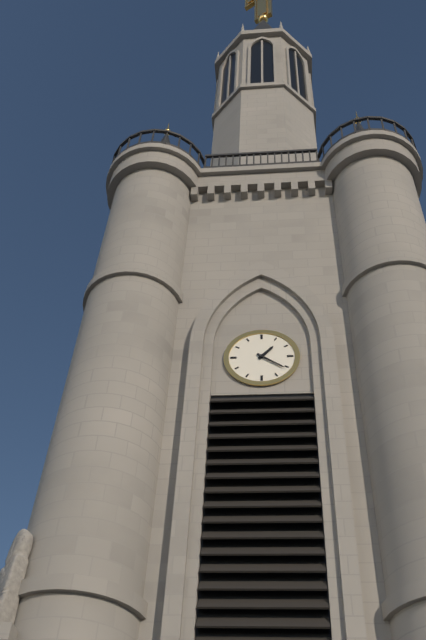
1:21
